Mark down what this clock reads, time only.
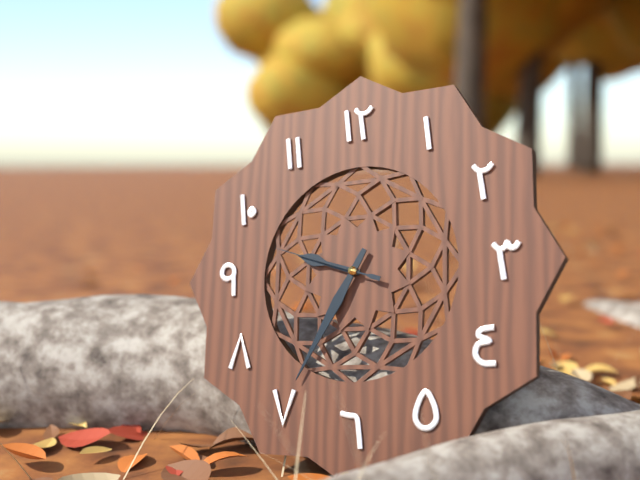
9:35:48
